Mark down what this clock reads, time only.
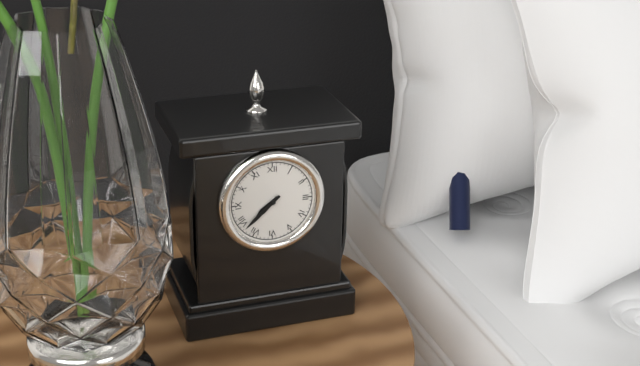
7:38
